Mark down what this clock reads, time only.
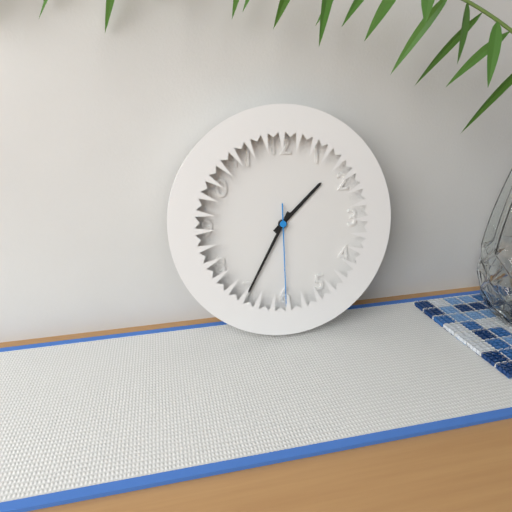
1:35:30
